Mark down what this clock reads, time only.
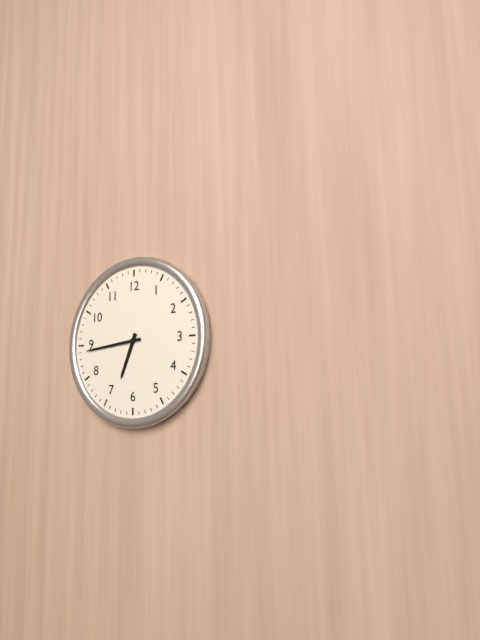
6:44
